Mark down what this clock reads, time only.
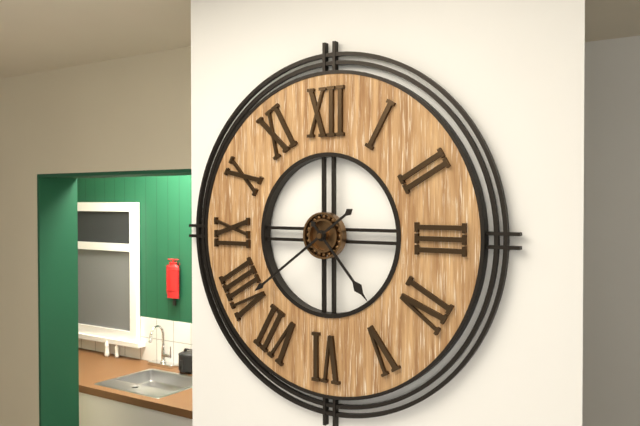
4:39
